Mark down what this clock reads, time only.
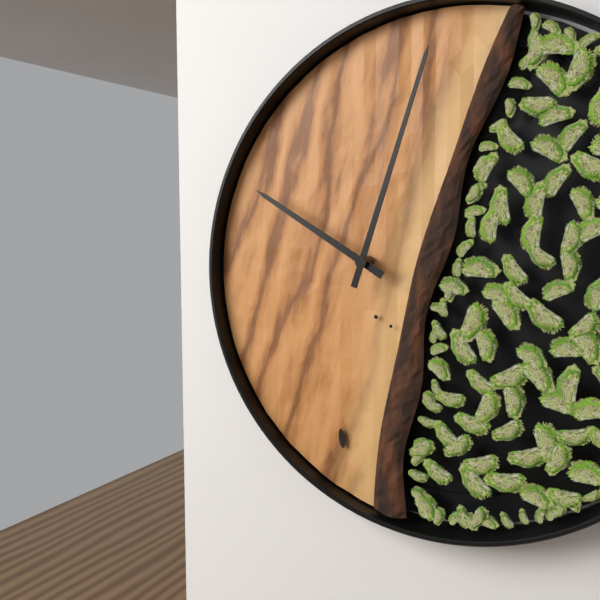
10:03
